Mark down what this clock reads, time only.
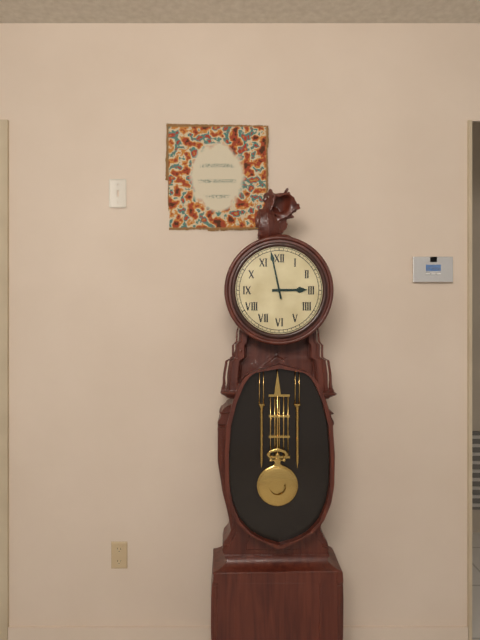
2:58
